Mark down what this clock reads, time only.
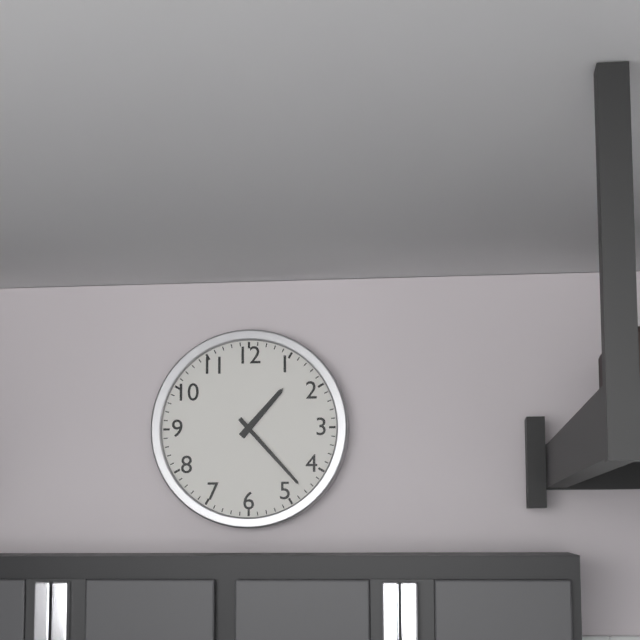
1:23
